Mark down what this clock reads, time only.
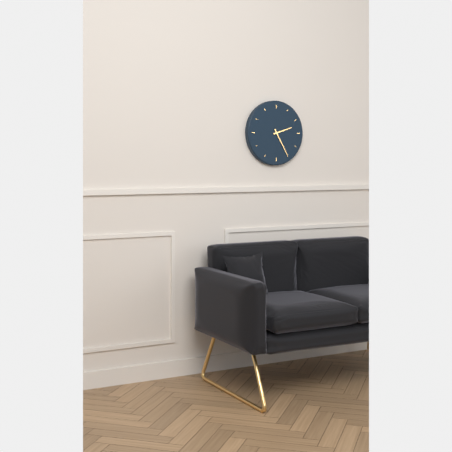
2:25
